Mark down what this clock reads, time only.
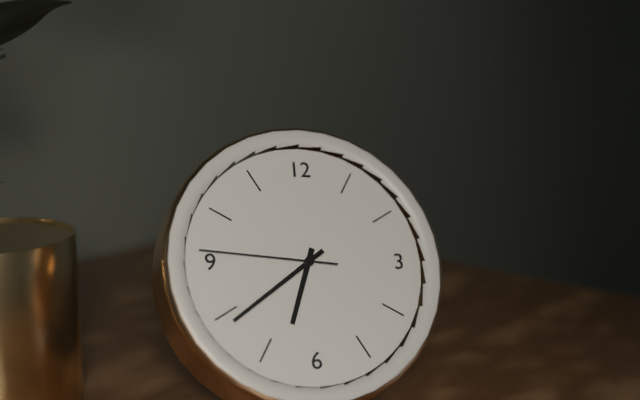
6:39:46
